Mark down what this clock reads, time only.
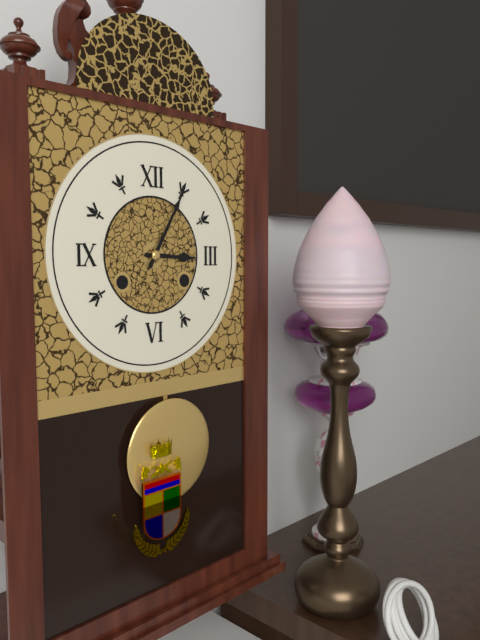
3:05
